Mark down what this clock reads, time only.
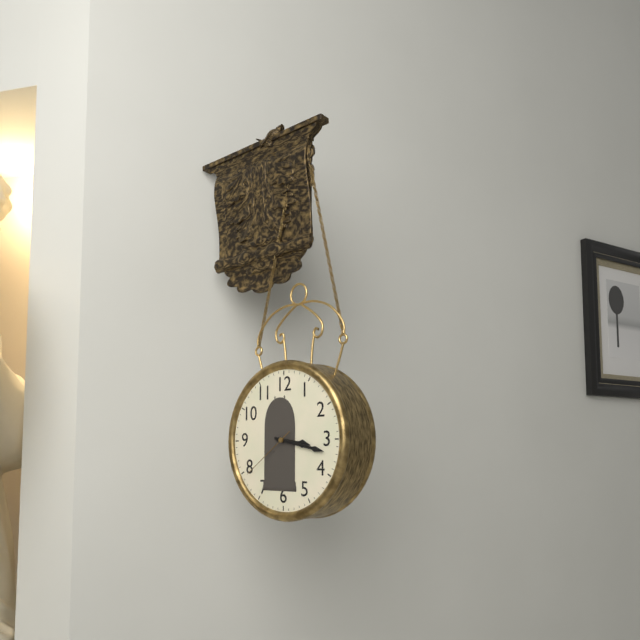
3:17:39
